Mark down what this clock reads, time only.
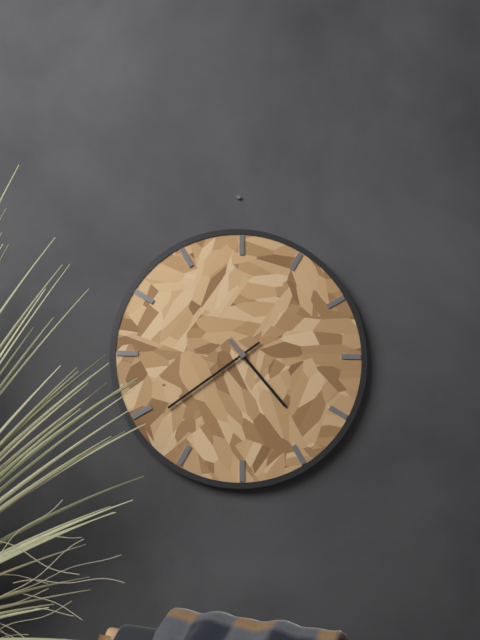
4:39
